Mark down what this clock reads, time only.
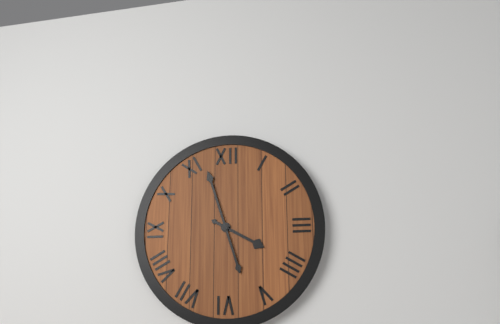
3:57
